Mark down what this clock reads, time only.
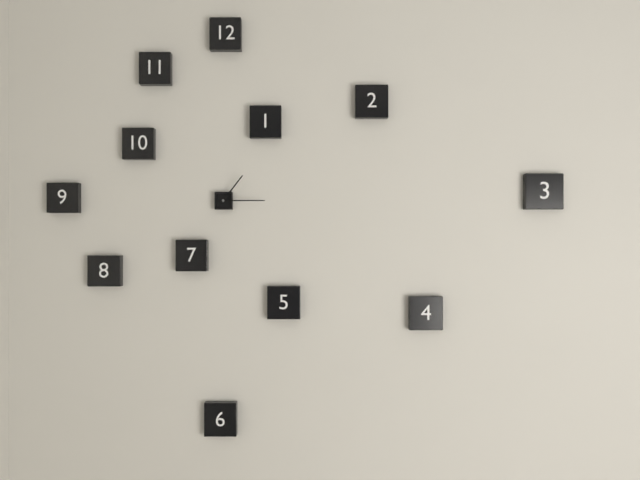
1:15
